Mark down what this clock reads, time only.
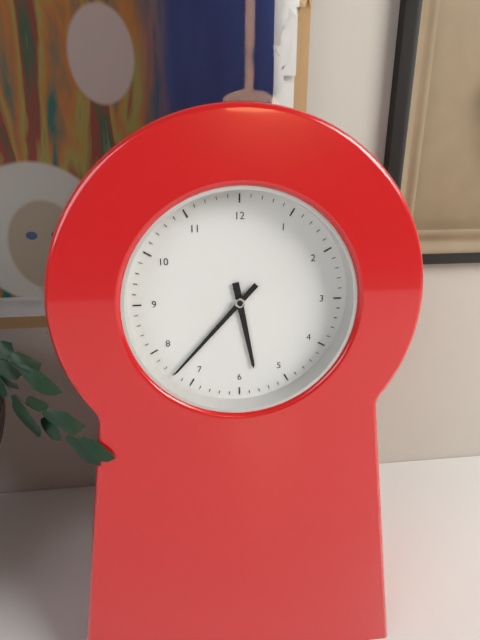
5:37
